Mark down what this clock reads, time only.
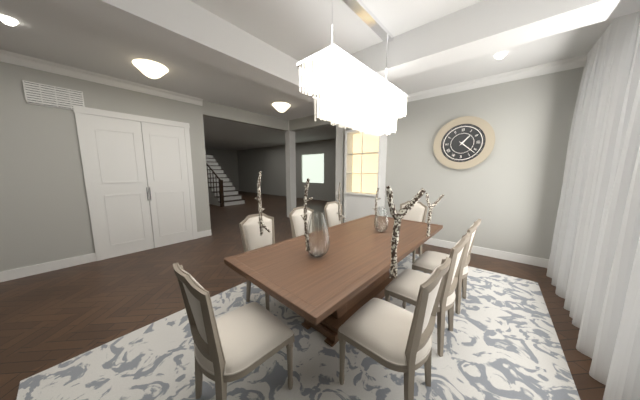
1:22
